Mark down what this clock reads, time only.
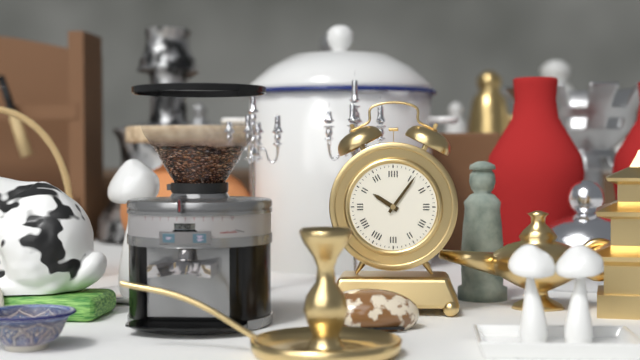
10:06
